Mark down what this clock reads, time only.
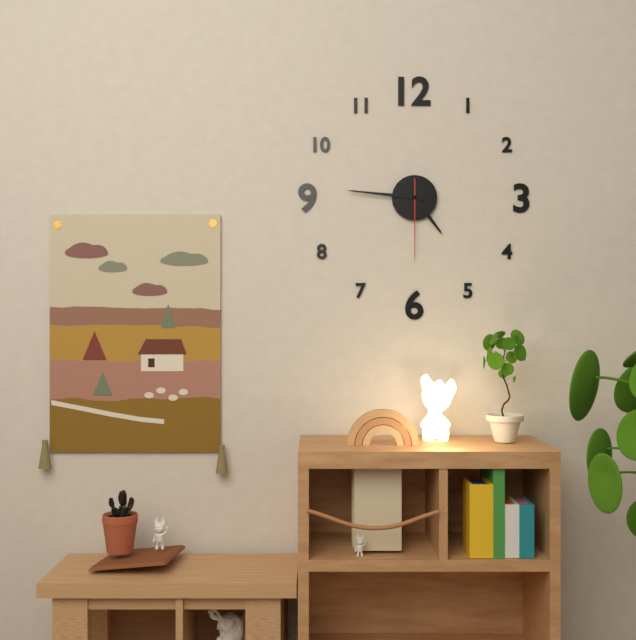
4:46:30
